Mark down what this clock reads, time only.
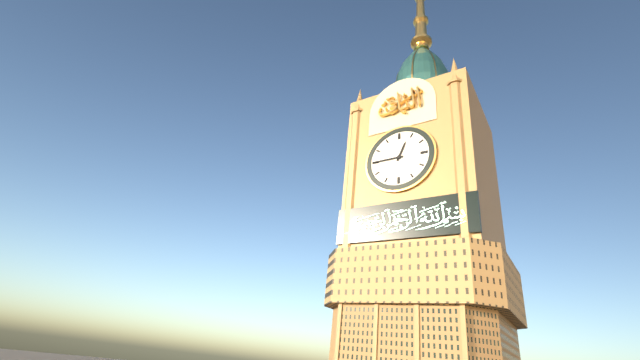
12:45
